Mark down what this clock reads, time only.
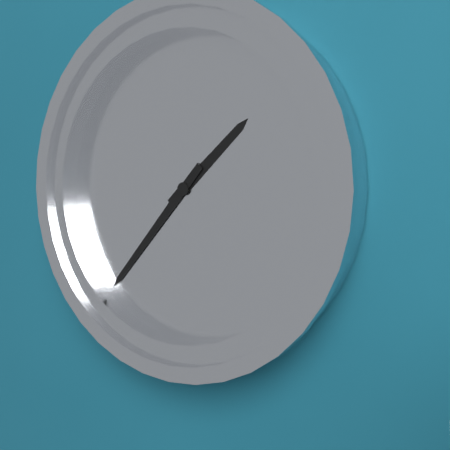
1:37
